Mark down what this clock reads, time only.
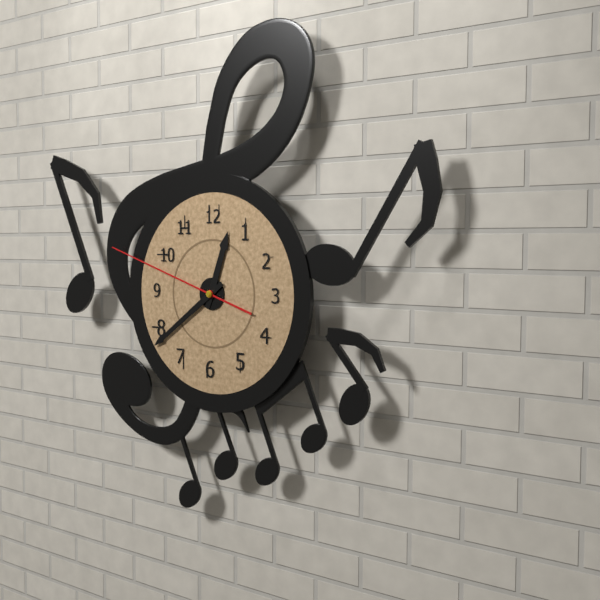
12:39:48
